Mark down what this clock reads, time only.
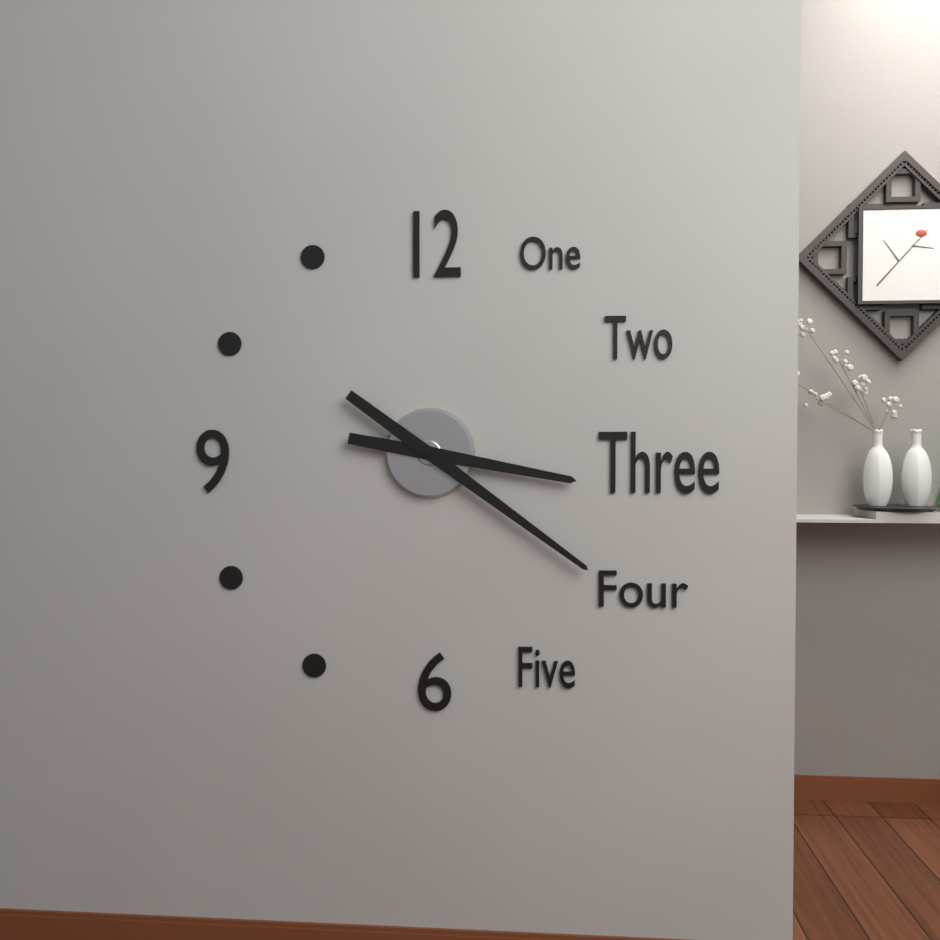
3:21
